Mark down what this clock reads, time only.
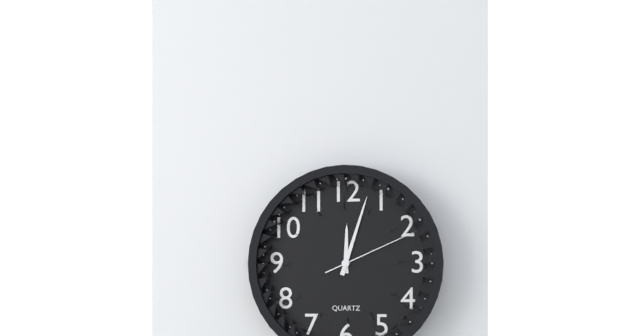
12:03:11
